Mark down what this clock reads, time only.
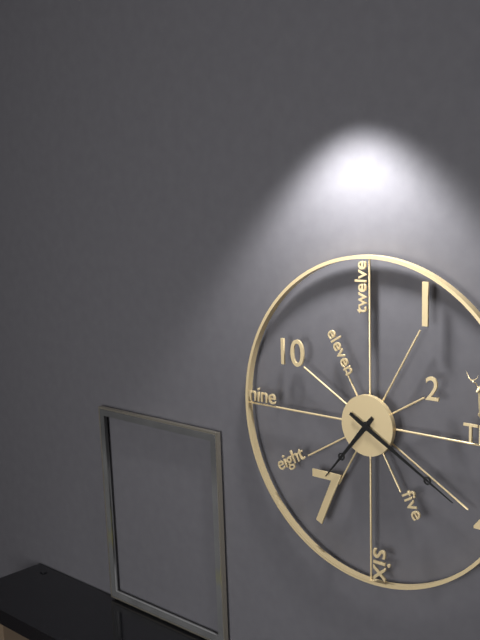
7:20
